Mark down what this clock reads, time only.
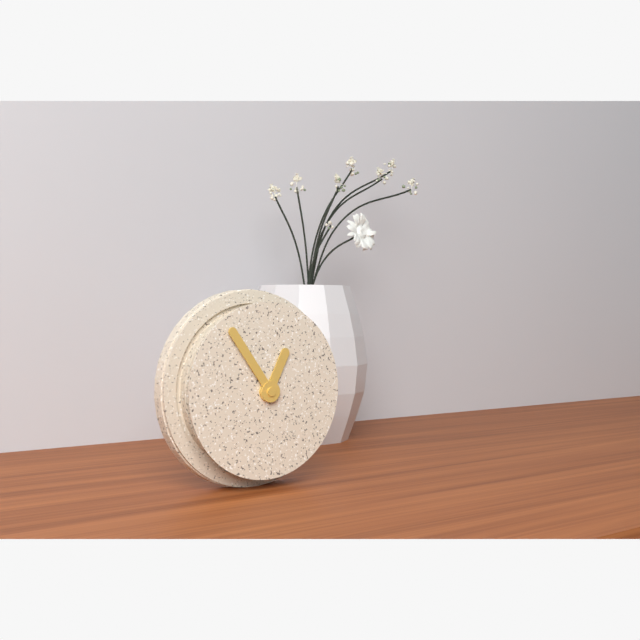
12:54
